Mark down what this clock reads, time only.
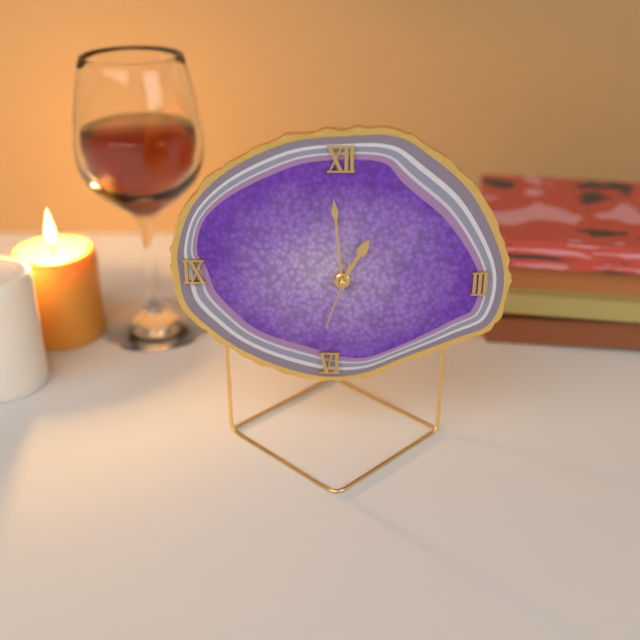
12:59:33
